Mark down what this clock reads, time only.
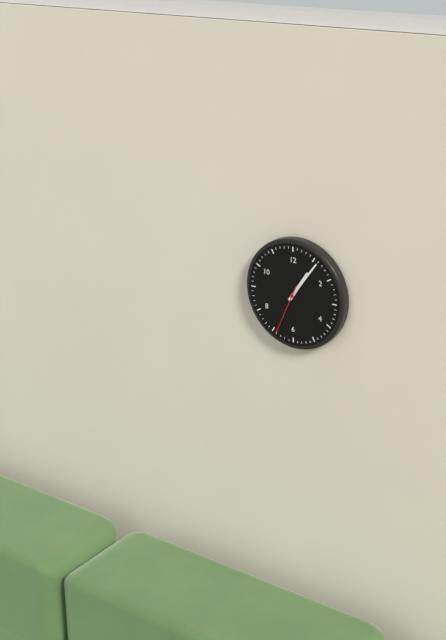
1:06:34
